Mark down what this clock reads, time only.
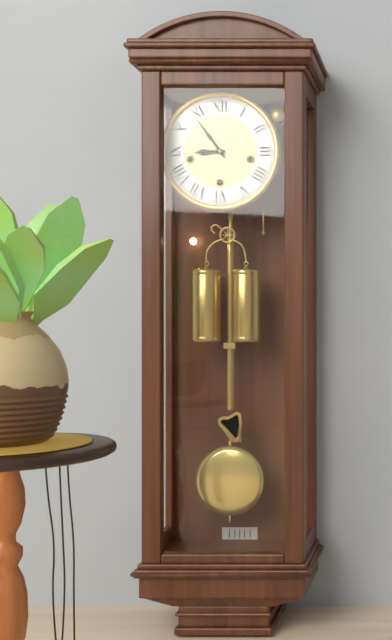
8:54
